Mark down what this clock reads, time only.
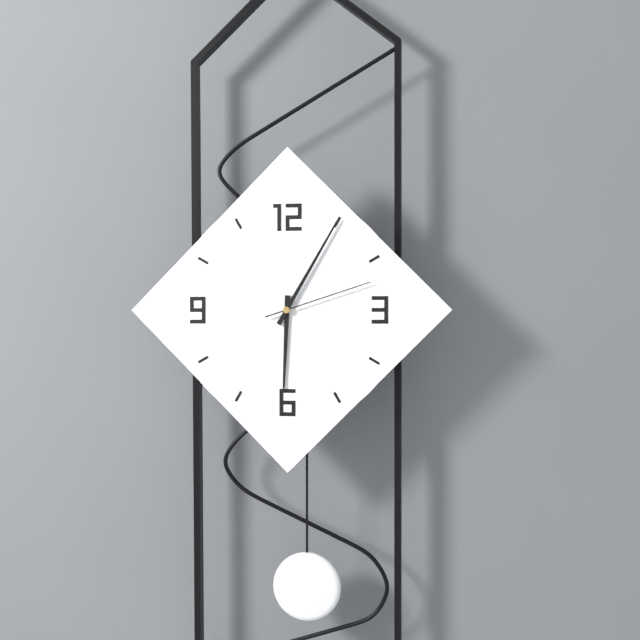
6:05:12
